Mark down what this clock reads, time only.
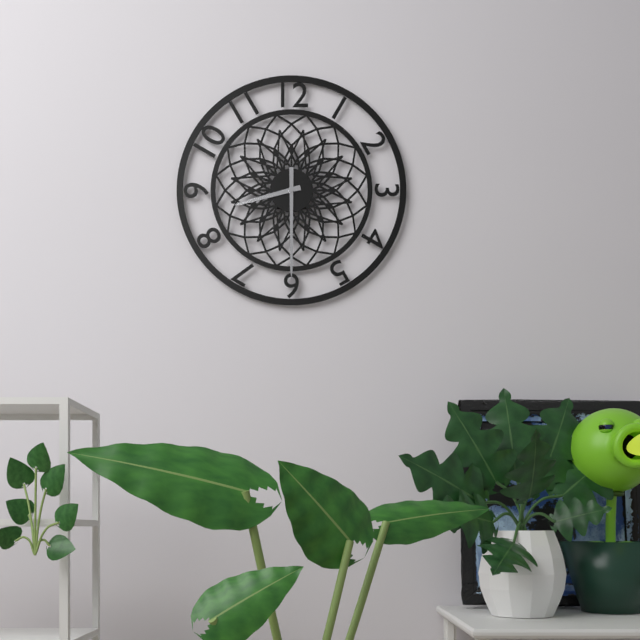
8:30
